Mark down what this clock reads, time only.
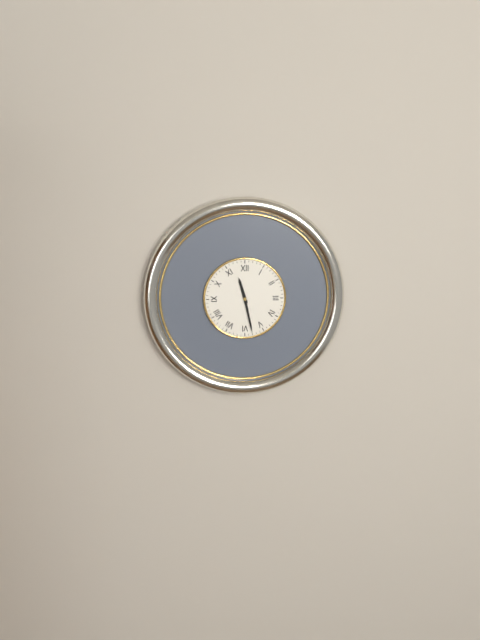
11:28
